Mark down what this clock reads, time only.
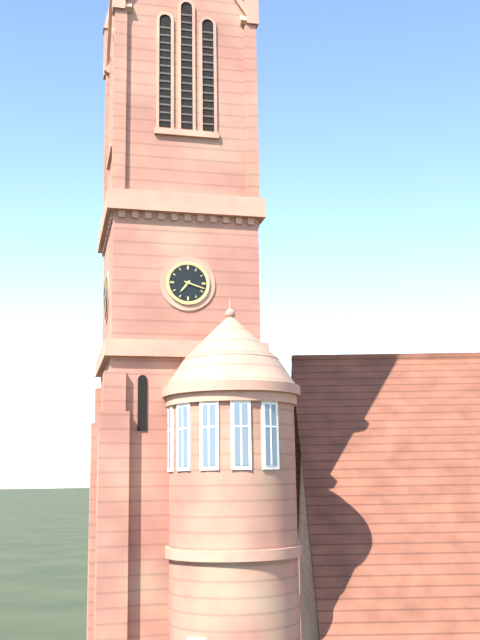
7:18
